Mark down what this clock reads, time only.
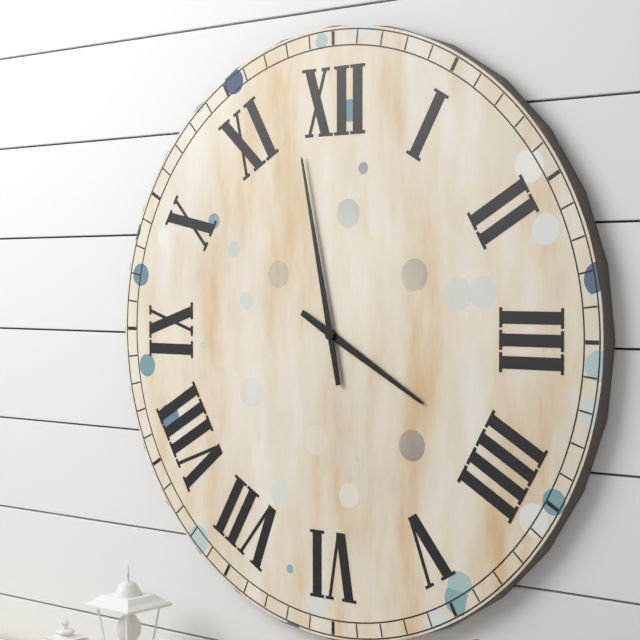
3:58
